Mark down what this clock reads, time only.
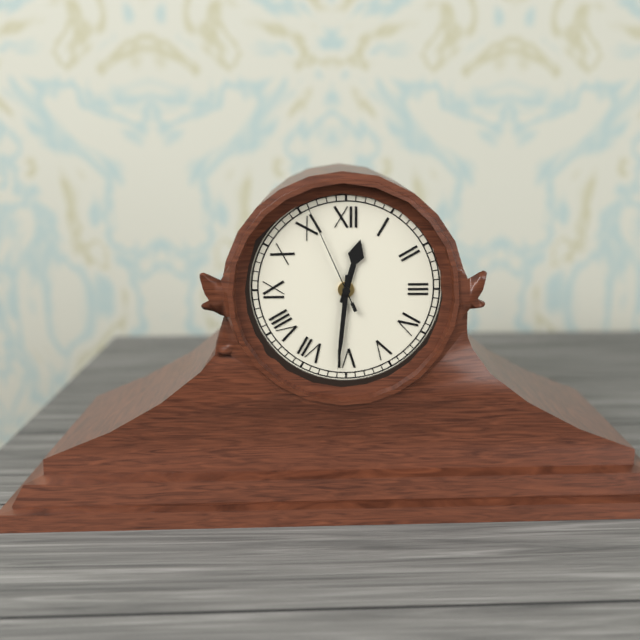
12:31:56
